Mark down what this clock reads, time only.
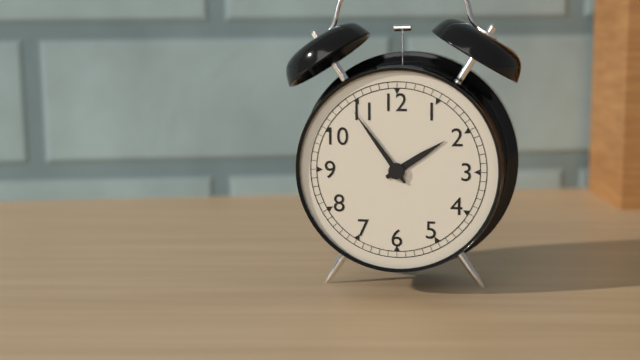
1:54
